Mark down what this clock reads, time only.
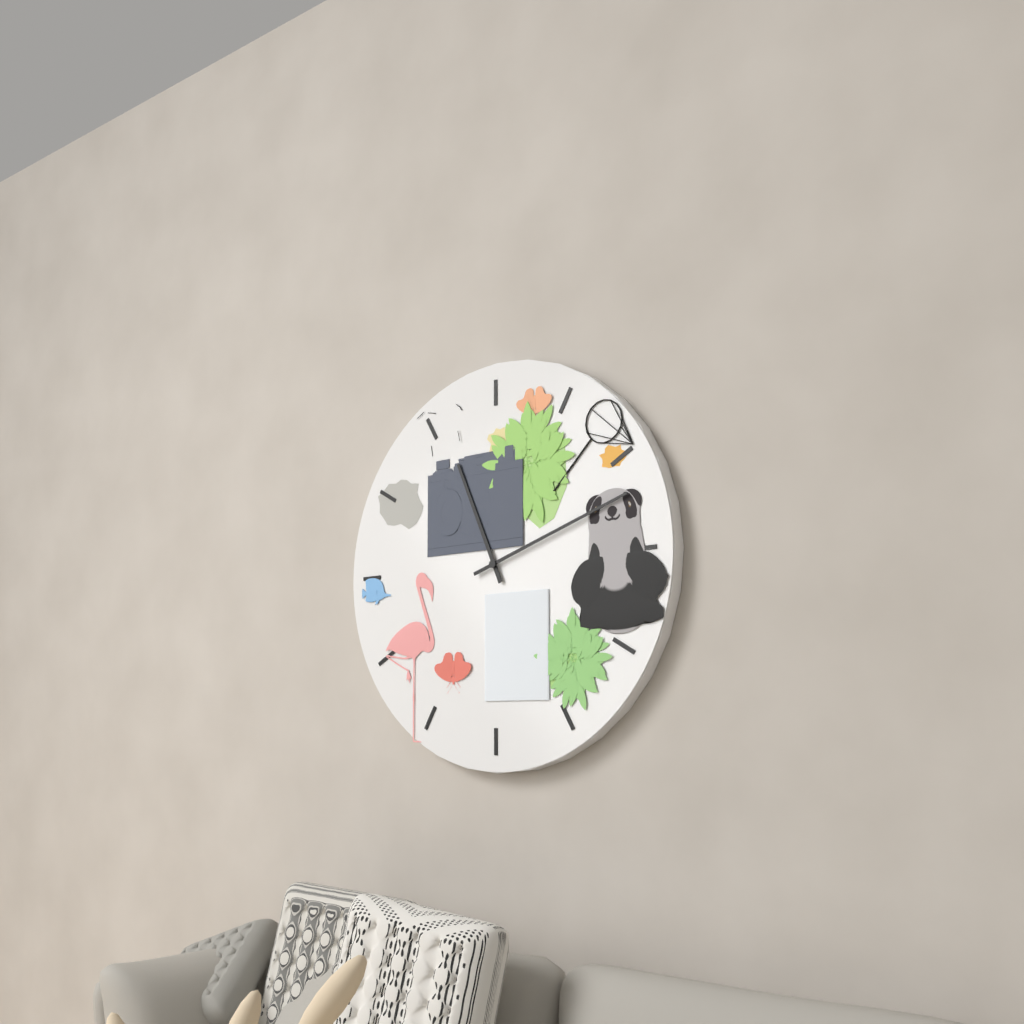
11:12
